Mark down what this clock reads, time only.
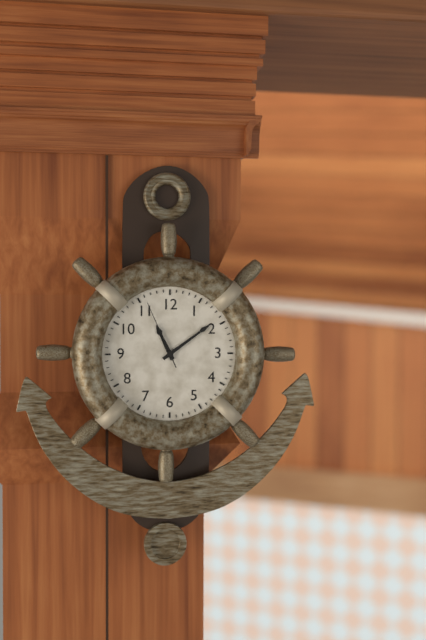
11:09:56
